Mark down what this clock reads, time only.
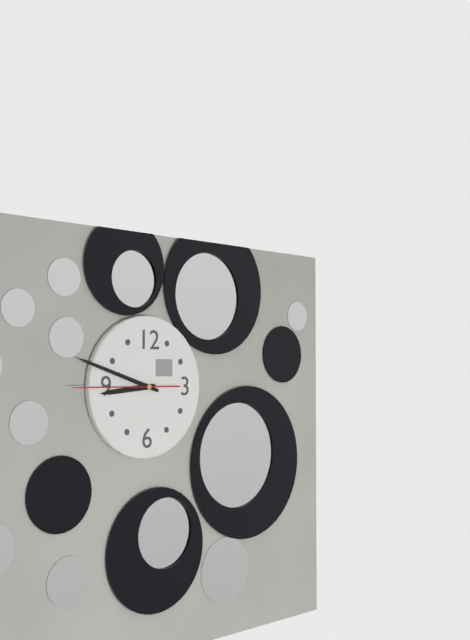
8:48:45
